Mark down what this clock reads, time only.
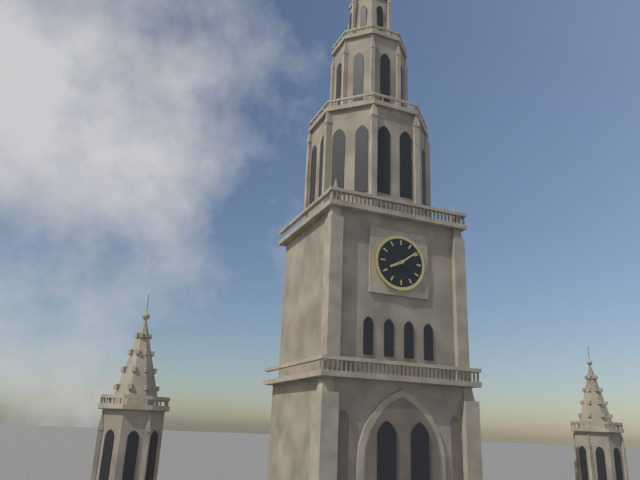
8:09
